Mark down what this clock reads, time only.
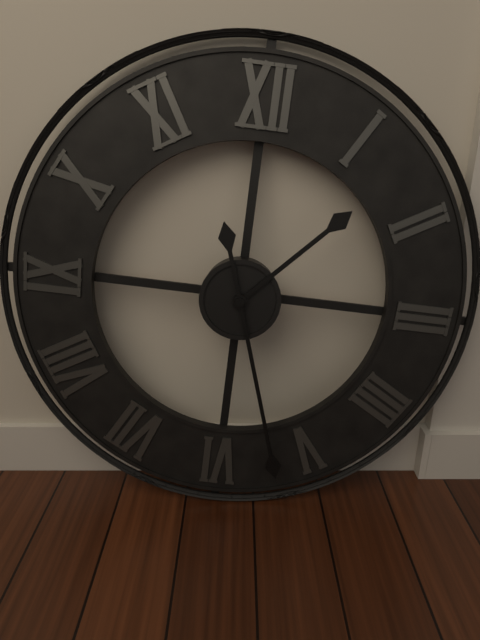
1:27
